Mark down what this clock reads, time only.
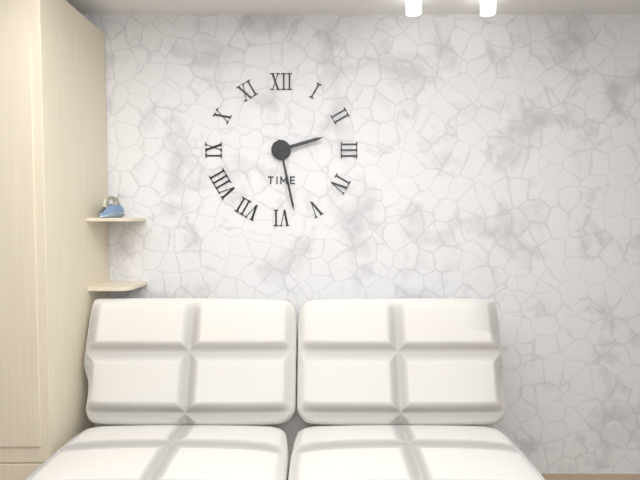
2:28
